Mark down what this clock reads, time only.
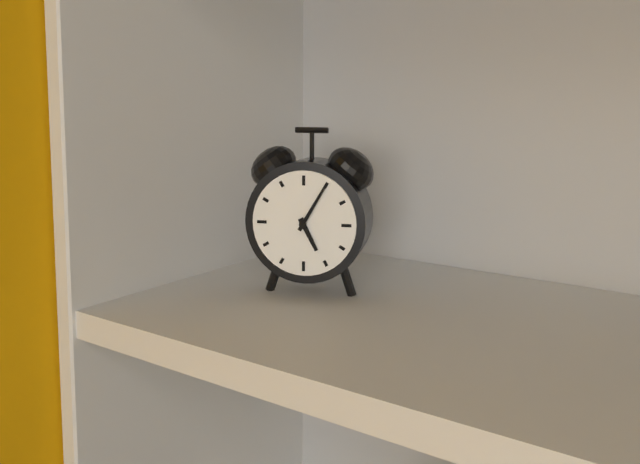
5:05
